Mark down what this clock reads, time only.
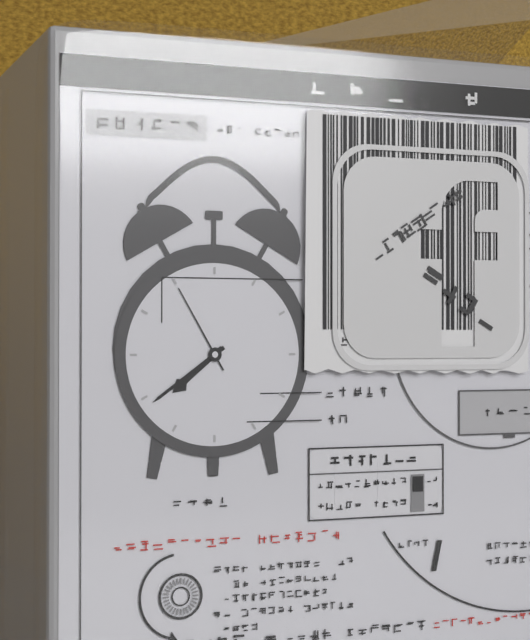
7:39:55
